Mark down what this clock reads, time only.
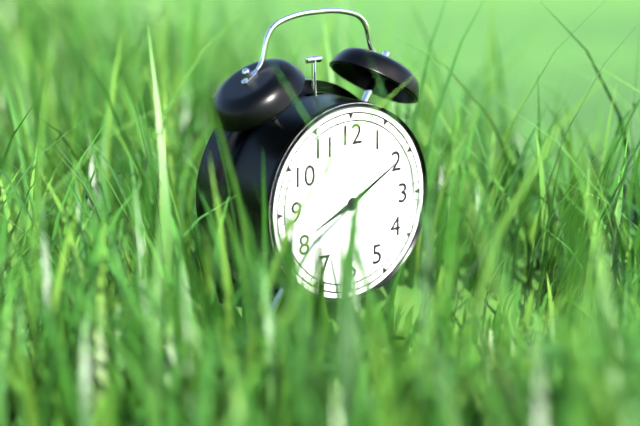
8:10
